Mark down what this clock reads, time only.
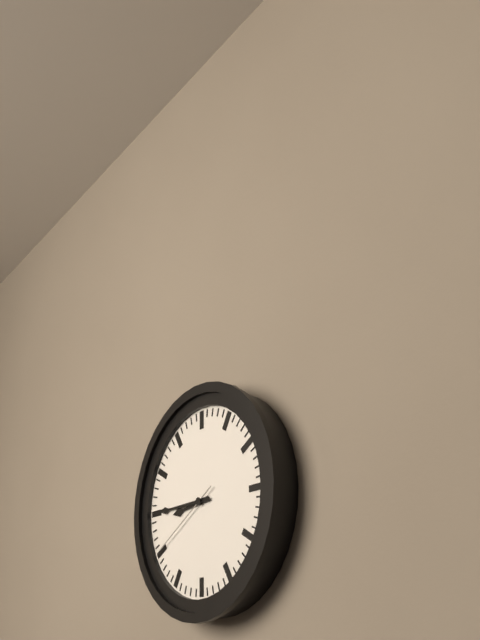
8:45:40
